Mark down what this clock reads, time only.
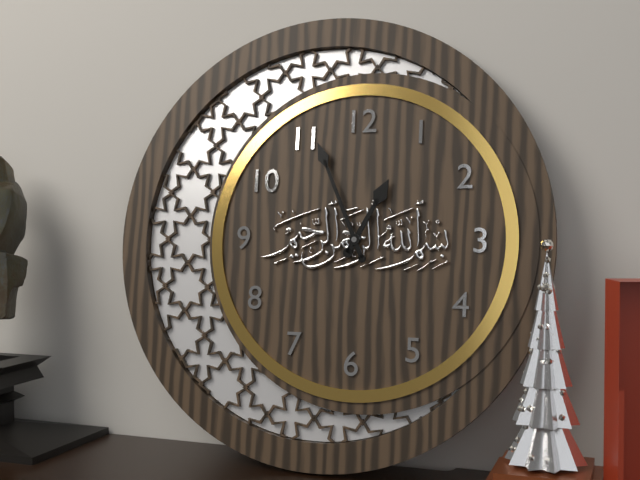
12:56
